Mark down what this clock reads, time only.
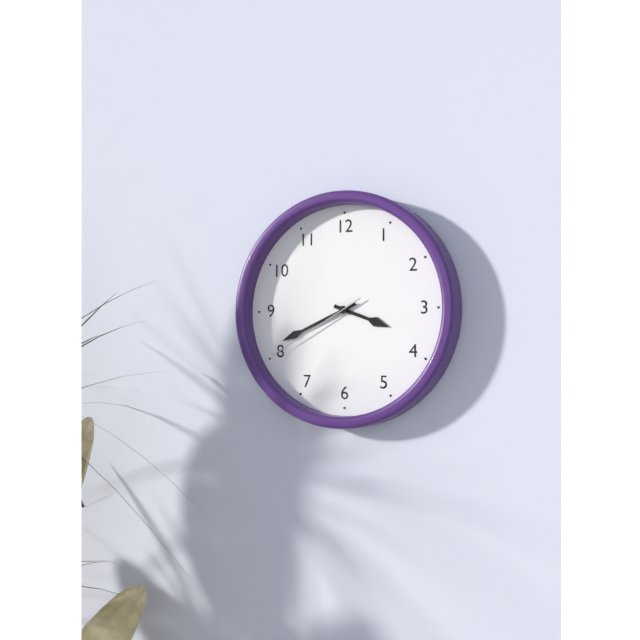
3:41:40
